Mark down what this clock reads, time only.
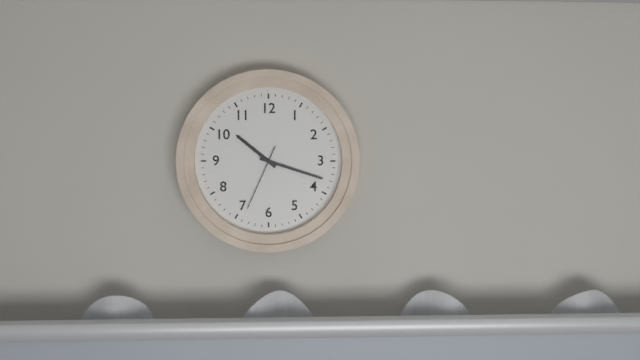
10:18:34
